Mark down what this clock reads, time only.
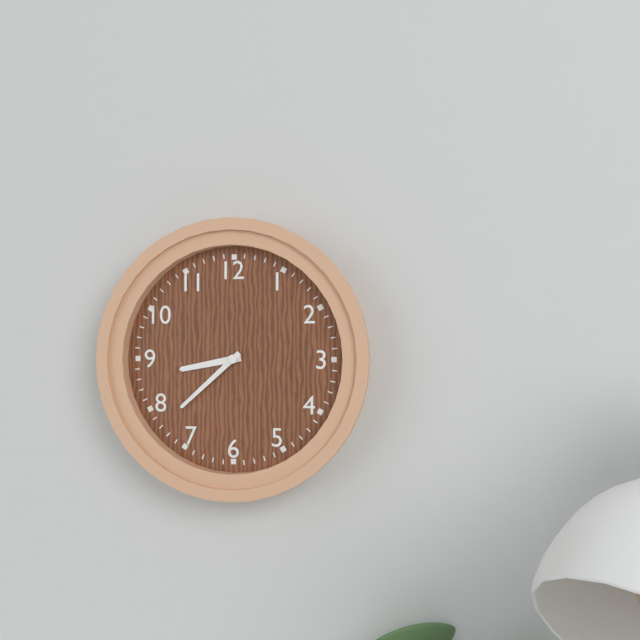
8:38
